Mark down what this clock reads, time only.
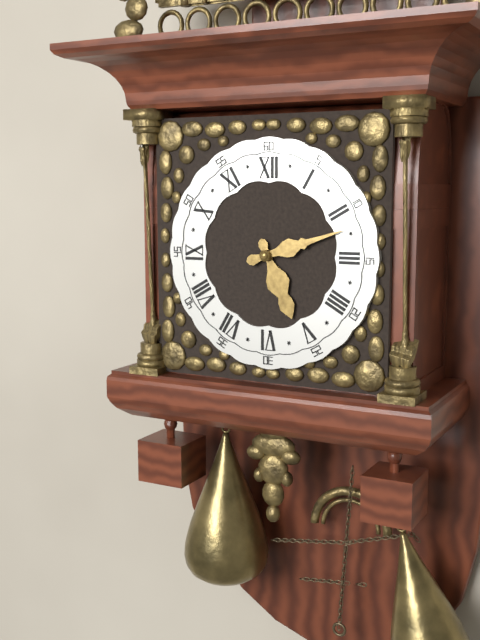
5:12
